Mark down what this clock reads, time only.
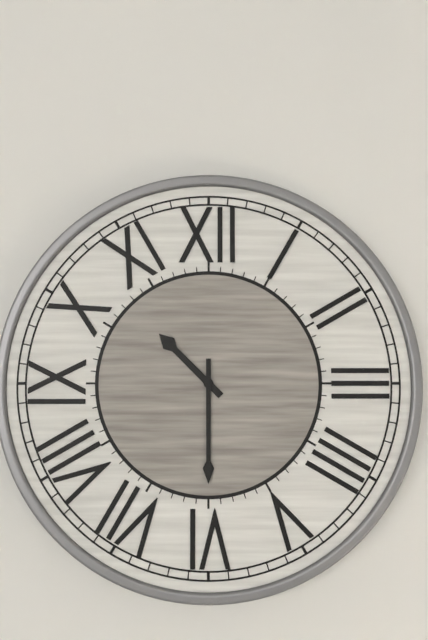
10:30
